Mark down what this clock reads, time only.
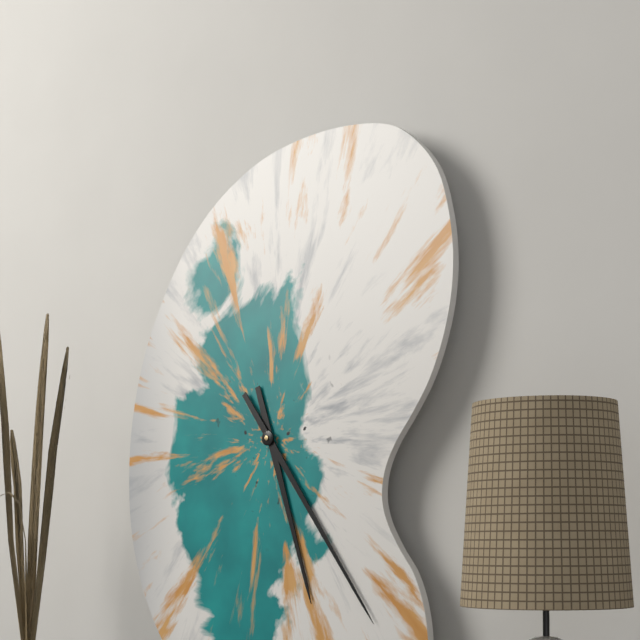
5:24
